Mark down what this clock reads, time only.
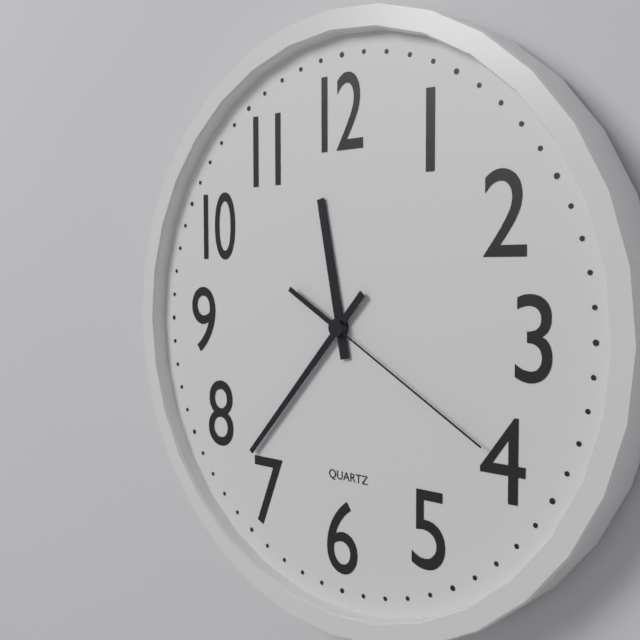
11:37:20
